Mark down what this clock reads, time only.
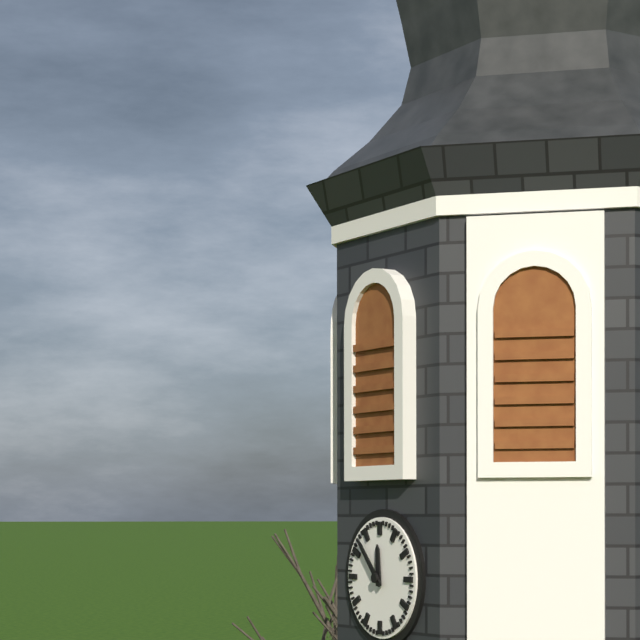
11:53
